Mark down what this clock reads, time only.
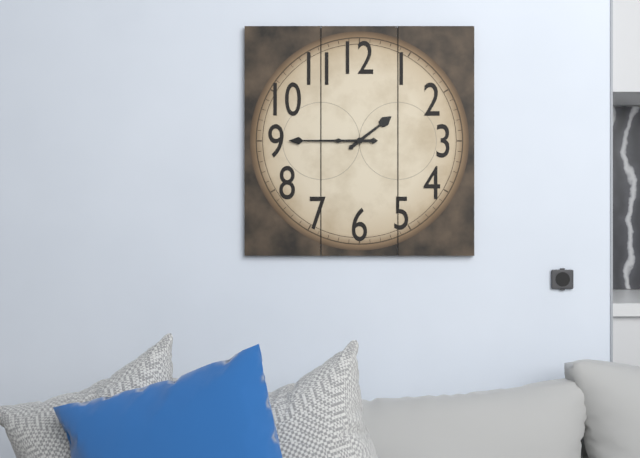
1:45
